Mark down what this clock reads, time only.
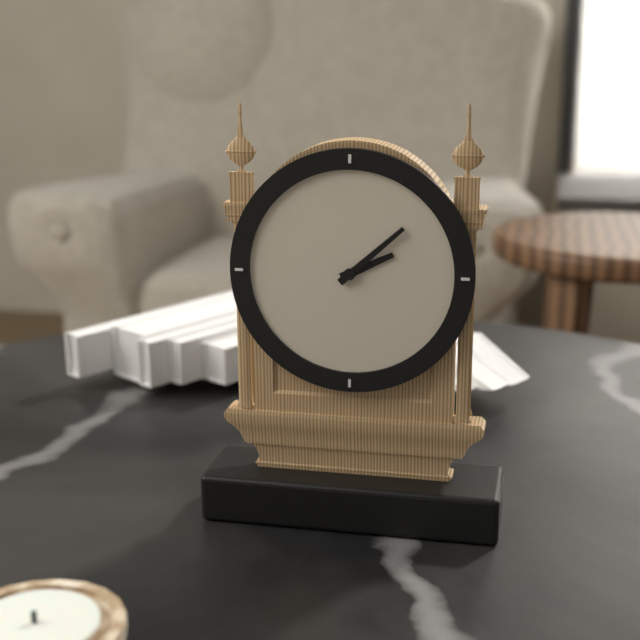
2:08
